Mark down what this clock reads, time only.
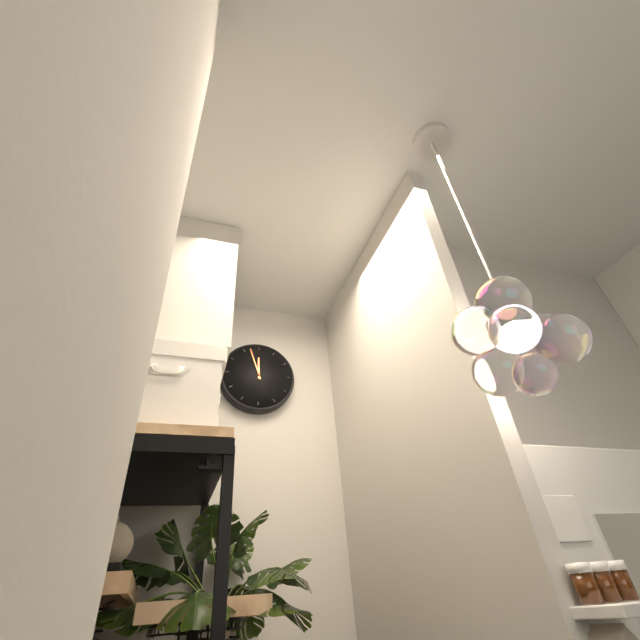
11:57
